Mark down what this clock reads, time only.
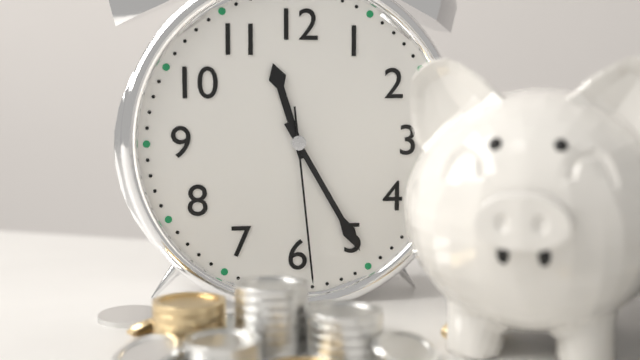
11:25:29
